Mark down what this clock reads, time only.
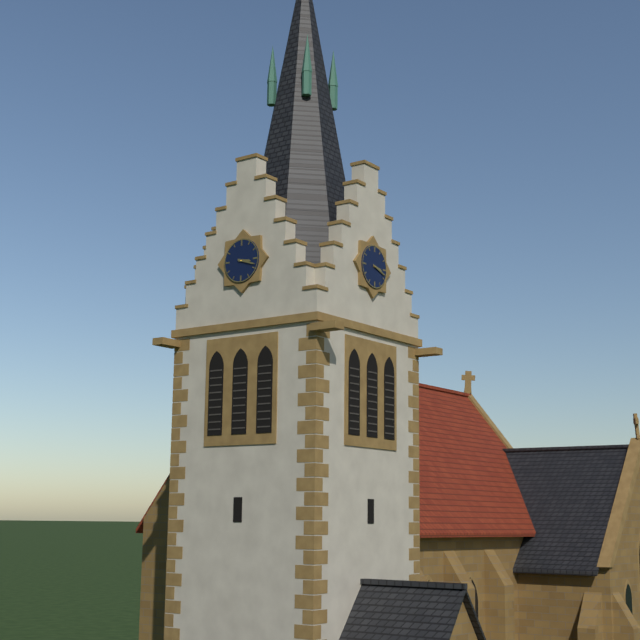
3:18
